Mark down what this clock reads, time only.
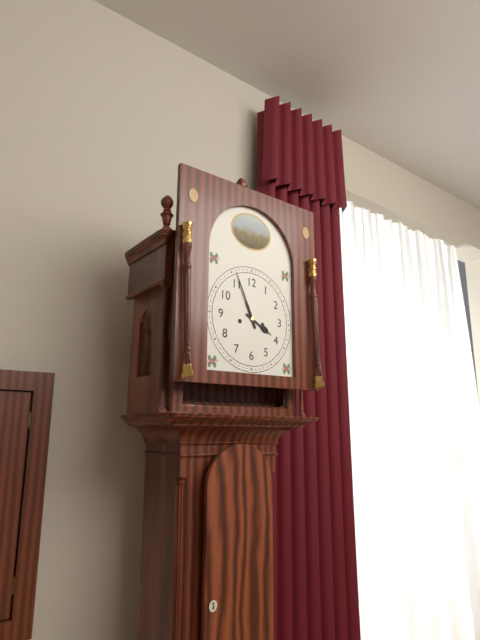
3:56
